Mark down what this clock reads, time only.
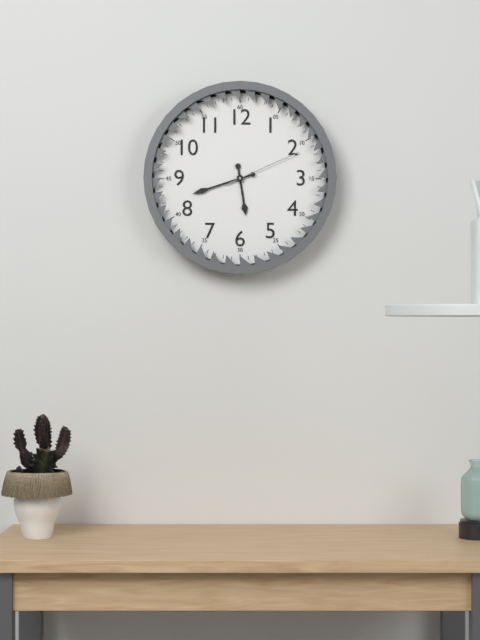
5:42:11
